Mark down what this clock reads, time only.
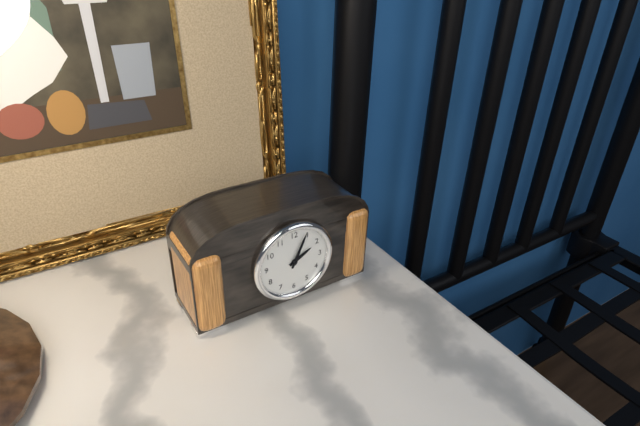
2:04
